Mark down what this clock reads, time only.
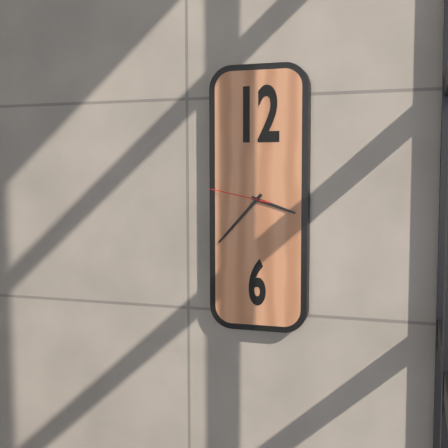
3:37:47
